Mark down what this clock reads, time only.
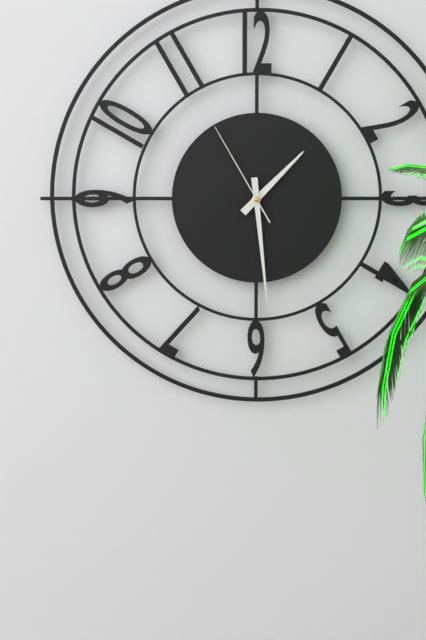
1:29:55
